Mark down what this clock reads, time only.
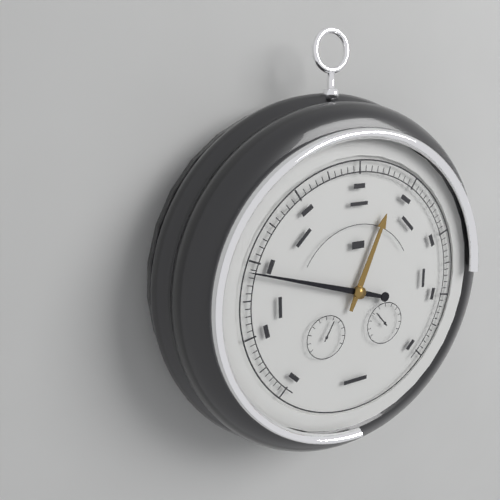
12:48
